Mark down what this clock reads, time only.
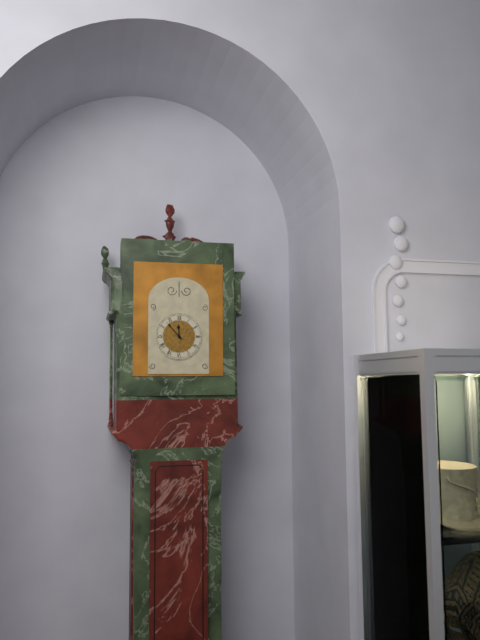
11:53
